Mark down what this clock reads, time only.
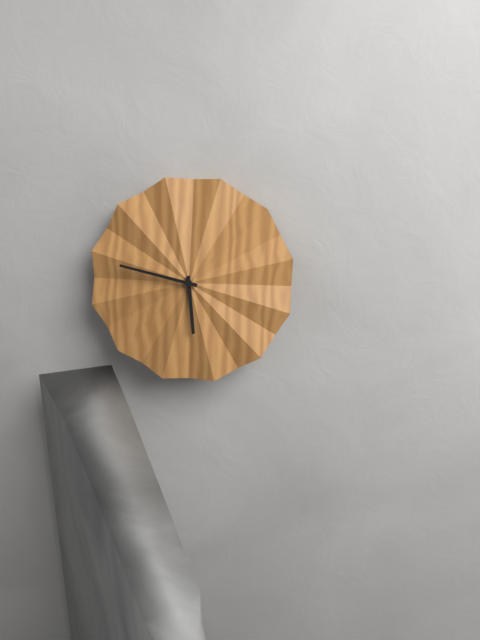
5:47
